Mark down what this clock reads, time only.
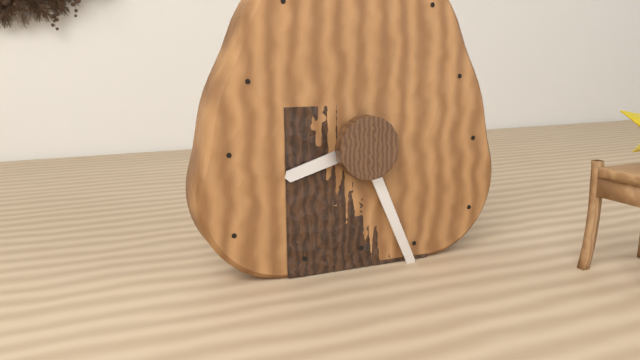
8:26
